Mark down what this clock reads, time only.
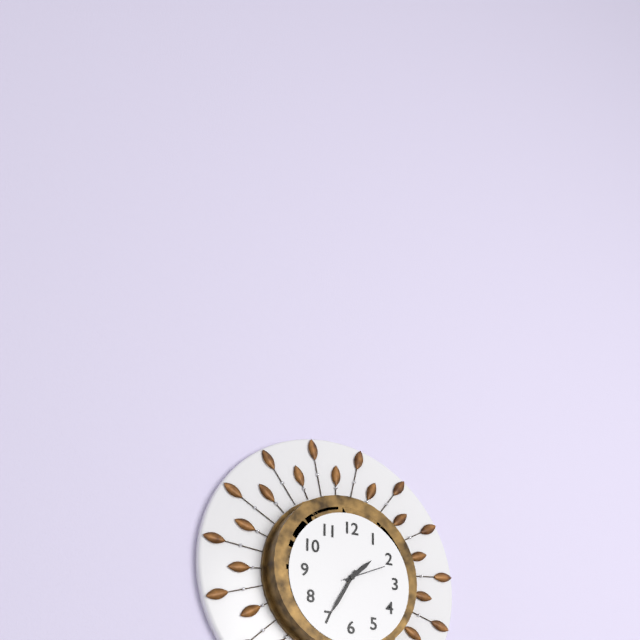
1:35
